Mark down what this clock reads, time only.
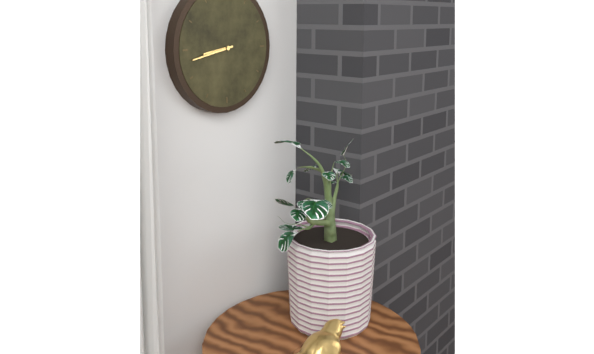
8:43
